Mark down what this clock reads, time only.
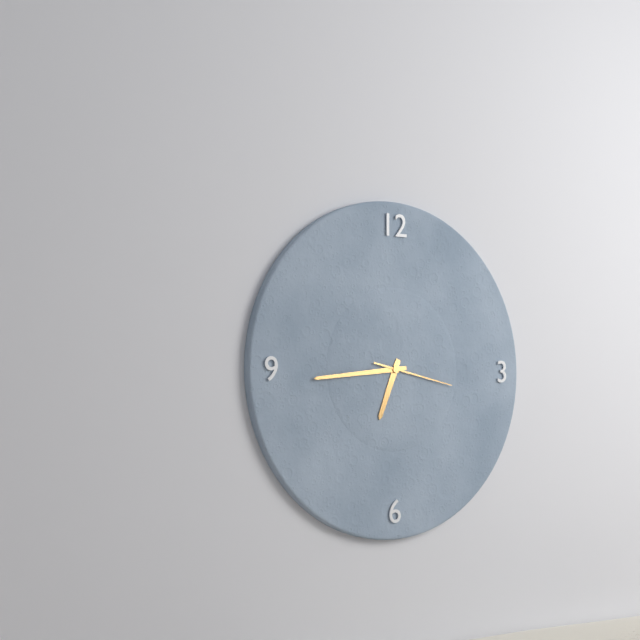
6:44:17
